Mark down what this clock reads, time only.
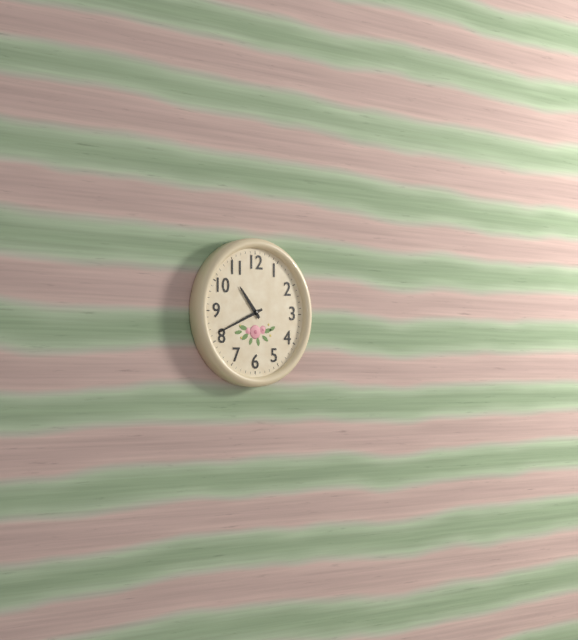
10:41
